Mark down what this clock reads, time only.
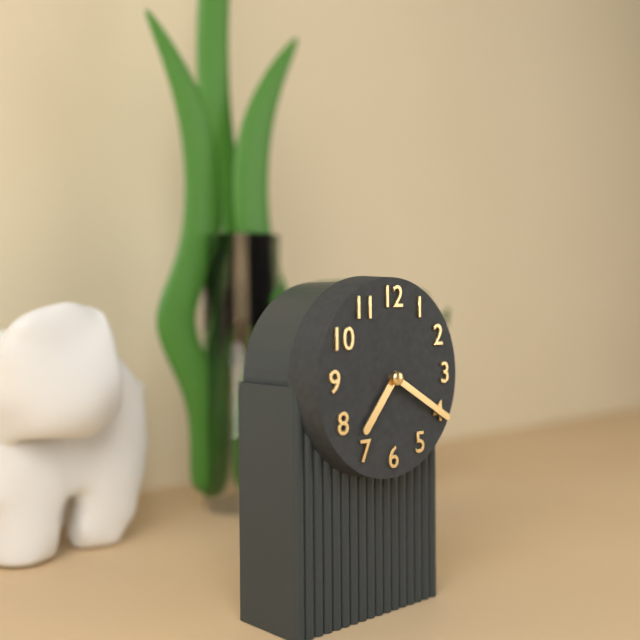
7:20
